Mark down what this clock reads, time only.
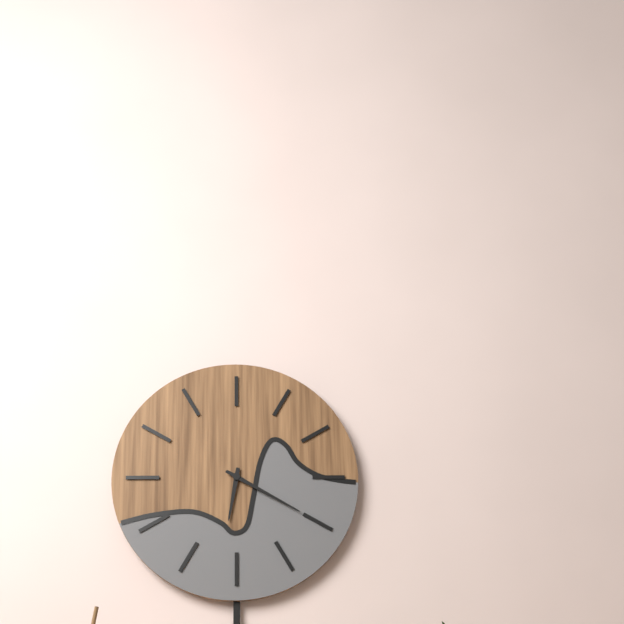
6:20
